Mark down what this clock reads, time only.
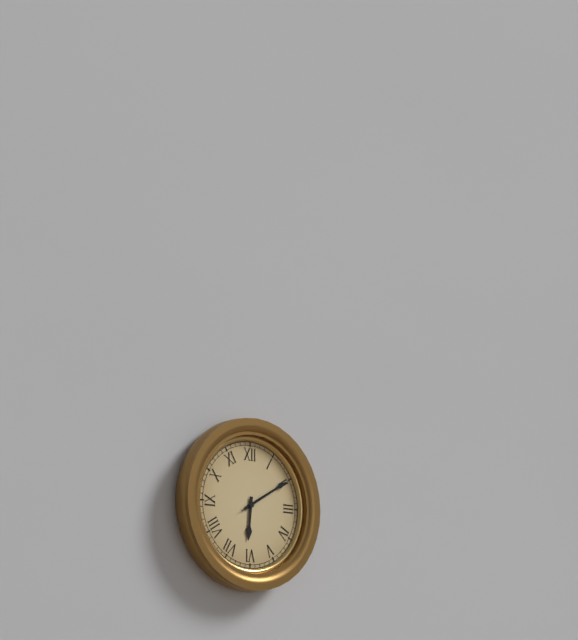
6:10:10
